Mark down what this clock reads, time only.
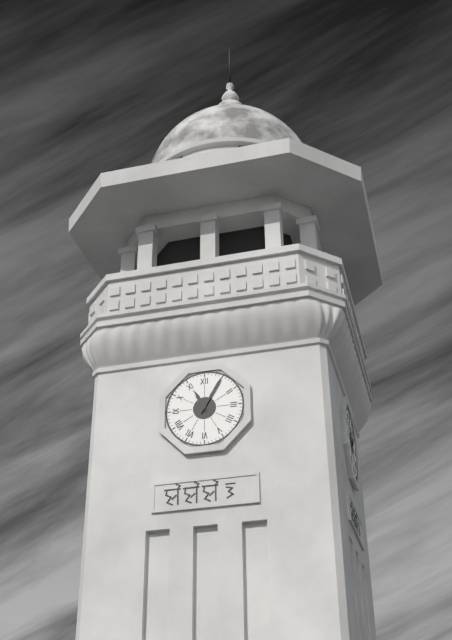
11:05
